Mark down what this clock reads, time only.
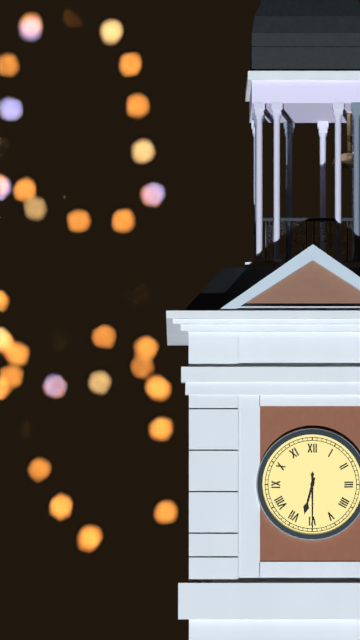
6:30
